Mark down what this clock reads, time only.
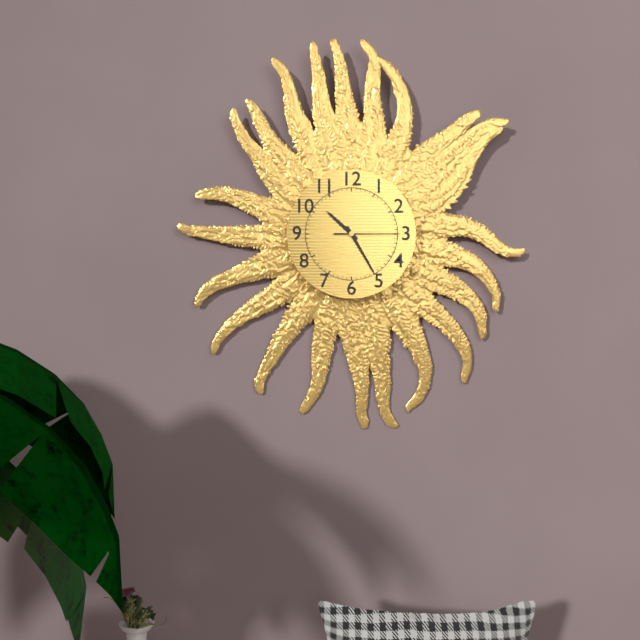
10:25:15
